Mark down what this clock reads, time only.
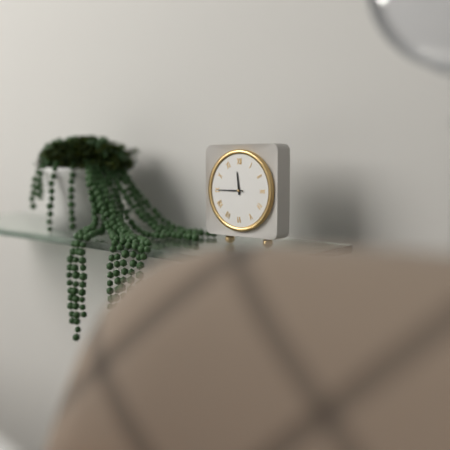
11:45
